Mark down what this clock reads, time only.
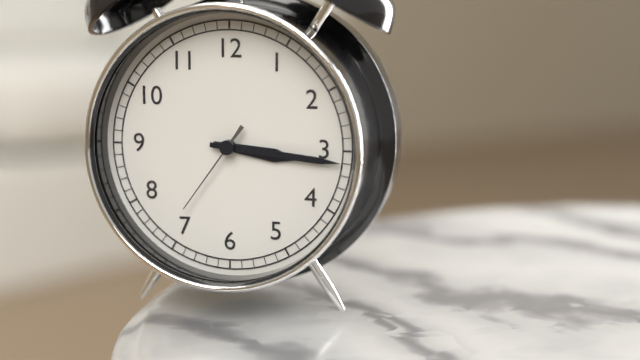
3:16:36
